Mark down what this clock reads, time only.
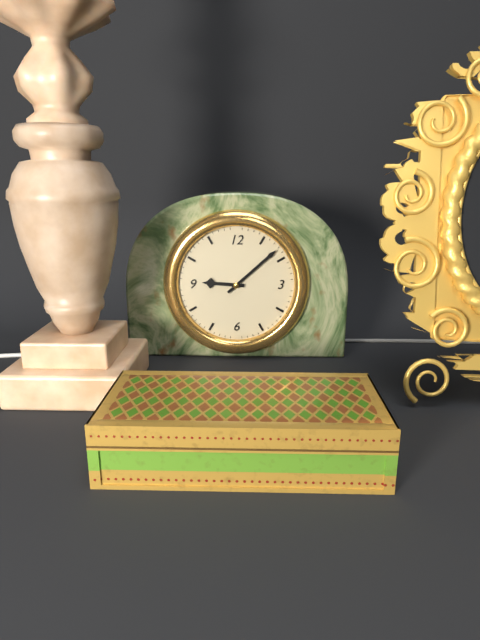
9:08
